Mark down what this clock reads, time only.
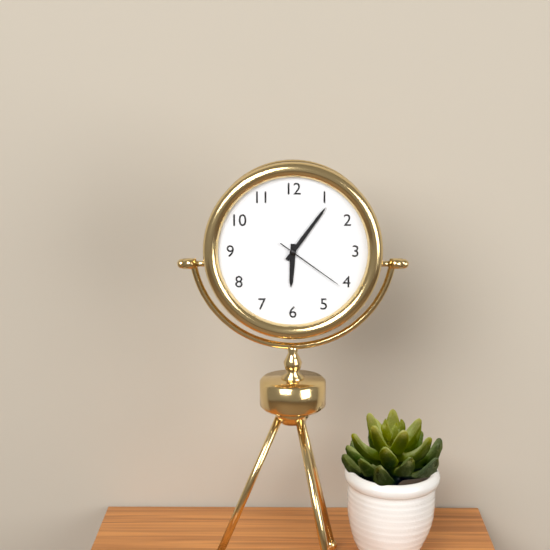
6:06:21
